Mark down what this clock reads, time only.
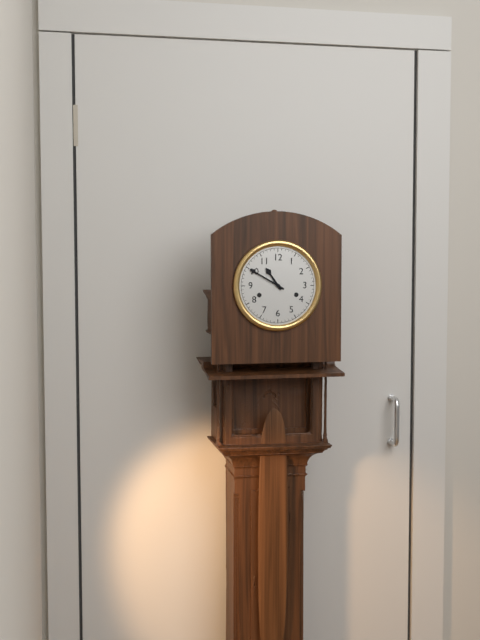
10:50
